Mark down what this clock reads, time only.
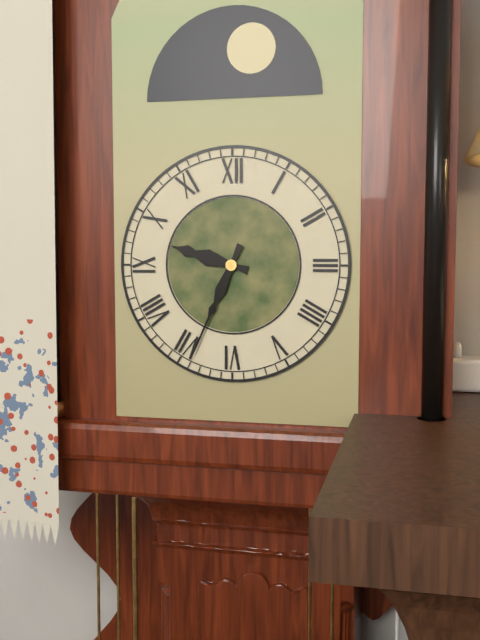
9:34
